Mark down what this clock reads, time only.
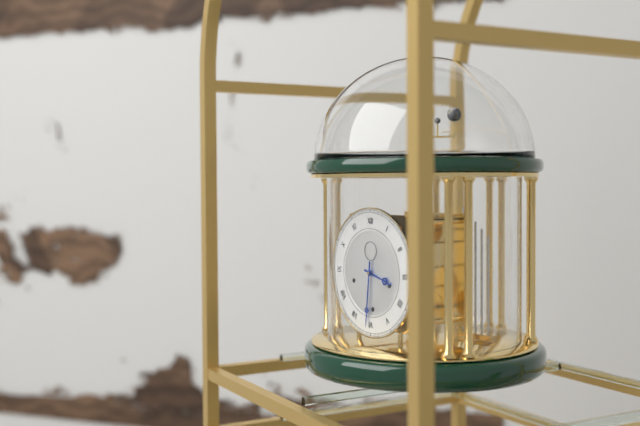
3:31
